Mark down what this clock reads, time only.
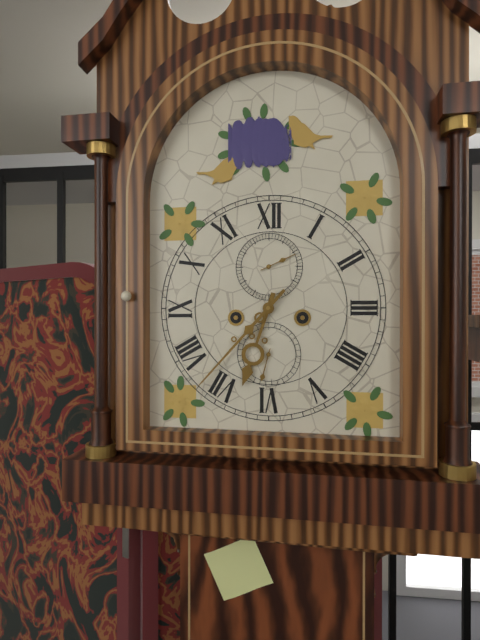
6:37
